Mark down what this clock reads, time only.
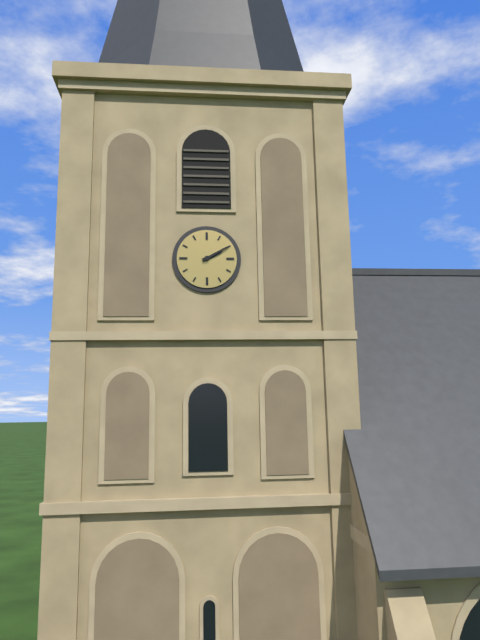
2:10
